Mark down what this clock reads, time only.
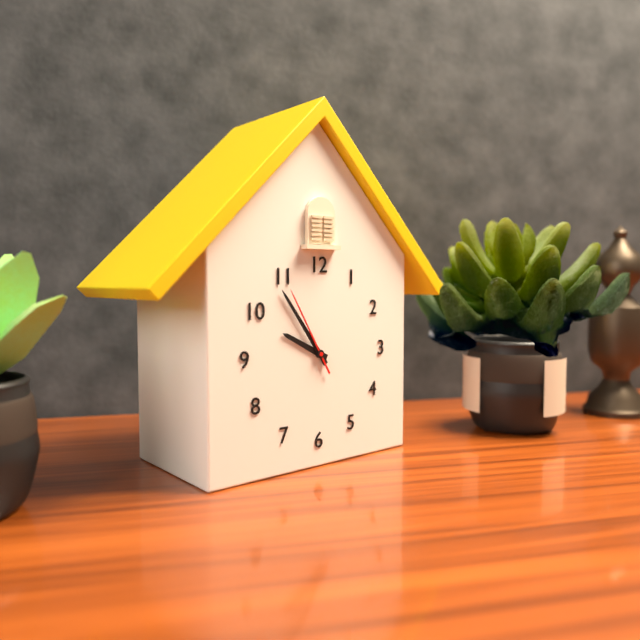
9:54:55
